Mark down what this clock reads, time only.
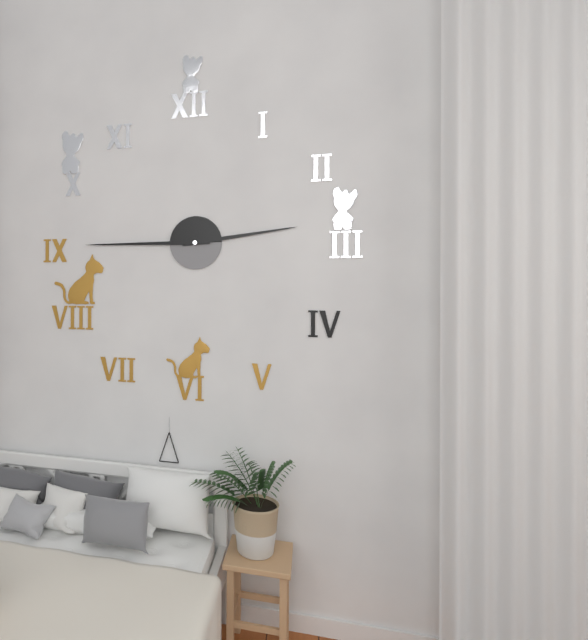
2:45
